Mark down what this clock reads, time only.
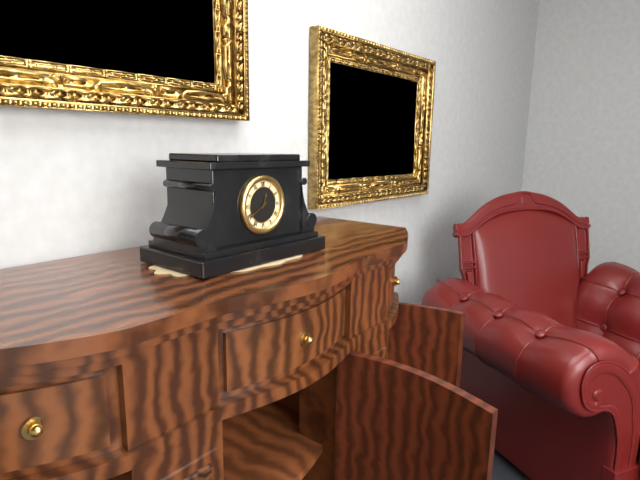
12:40
